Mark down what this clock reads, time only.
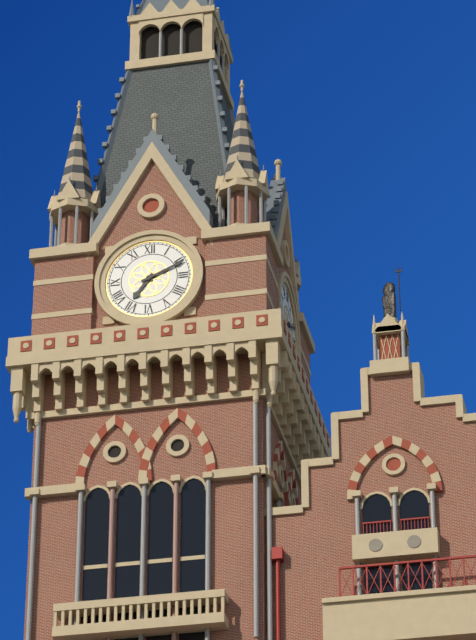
7:11
